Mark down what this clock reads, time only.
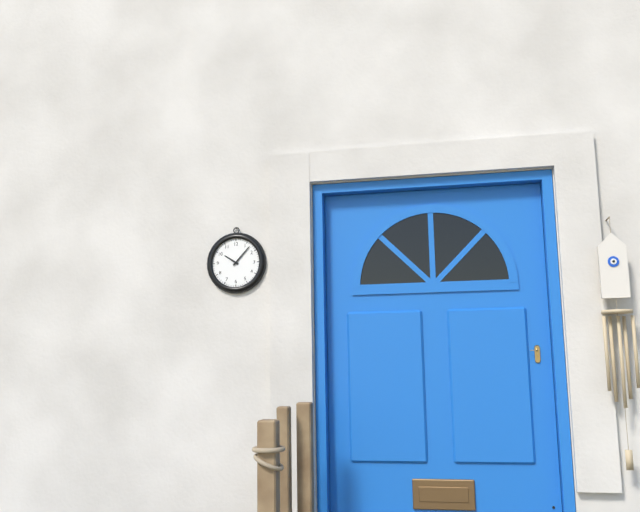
10:07
